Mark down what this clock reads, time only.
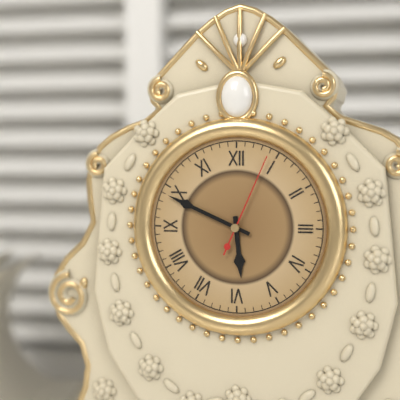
5:49:04
